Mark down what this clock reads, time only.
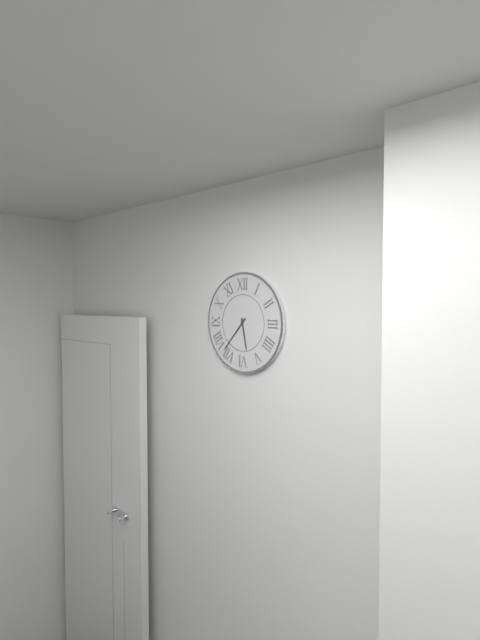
5:37
